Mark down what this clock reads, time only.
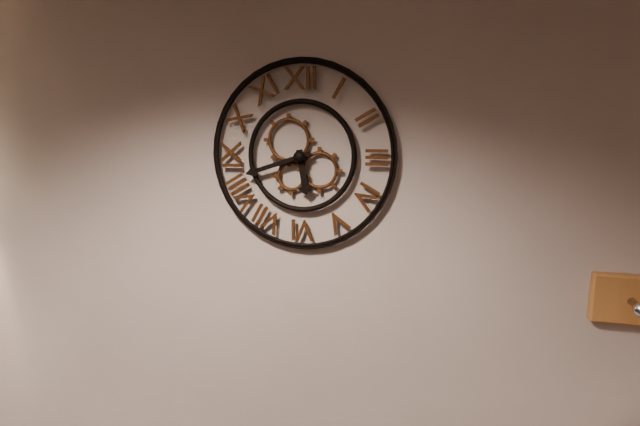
5:42
